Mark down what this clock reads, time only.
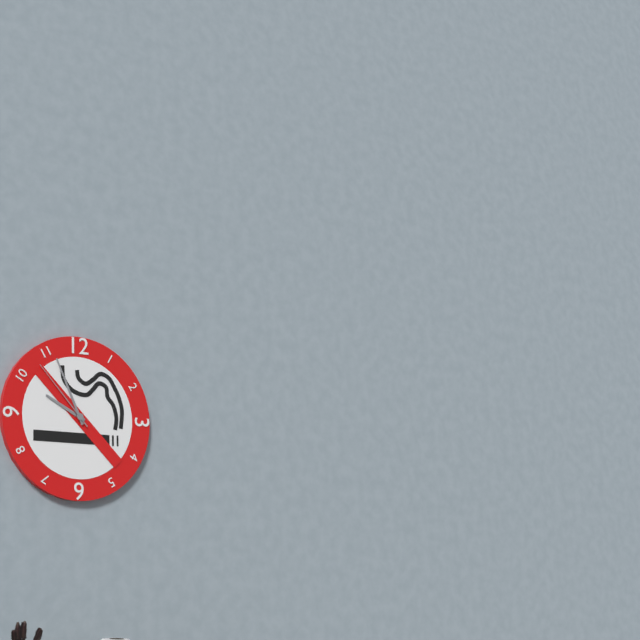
9:56:53
